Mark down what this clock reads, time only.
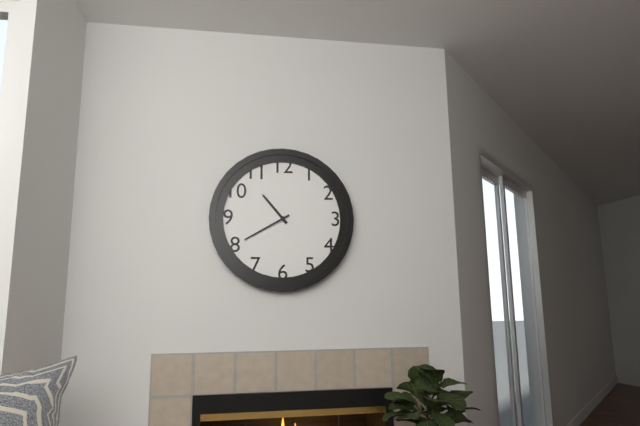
10:40
